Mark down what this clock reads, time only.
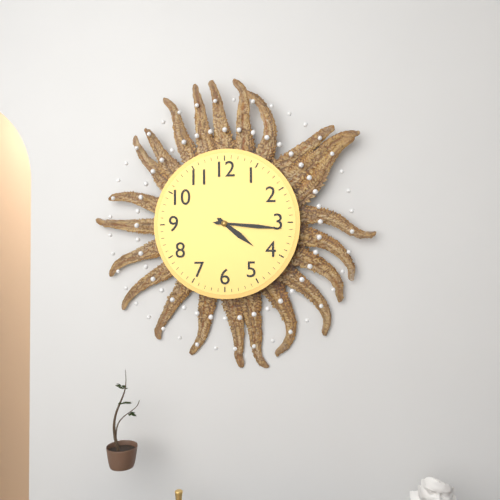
4:16
